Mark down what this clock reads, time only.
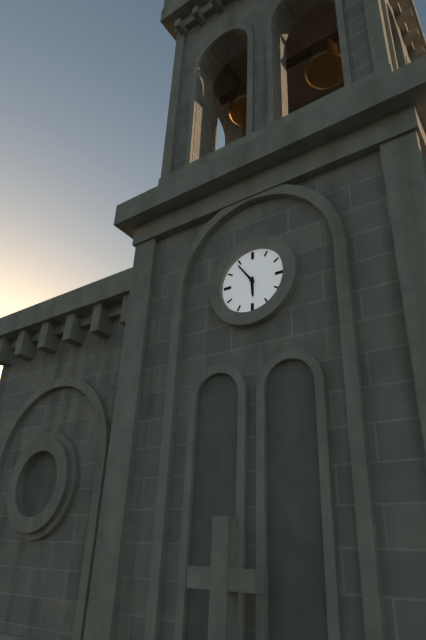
5:54
